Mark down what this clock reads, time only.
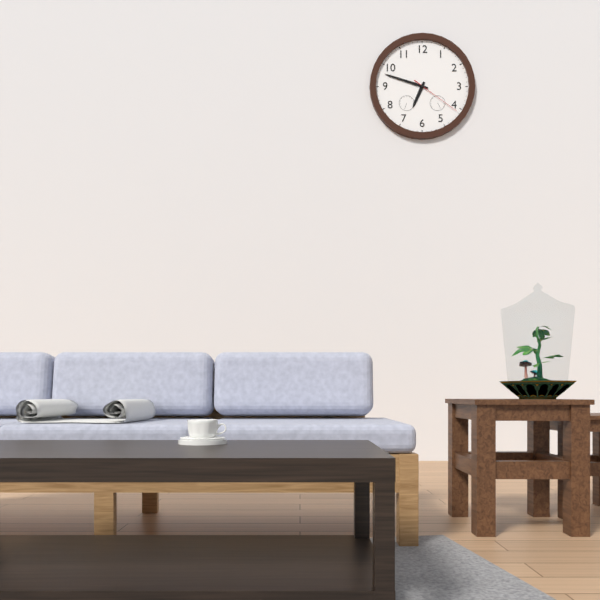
6:48:21
